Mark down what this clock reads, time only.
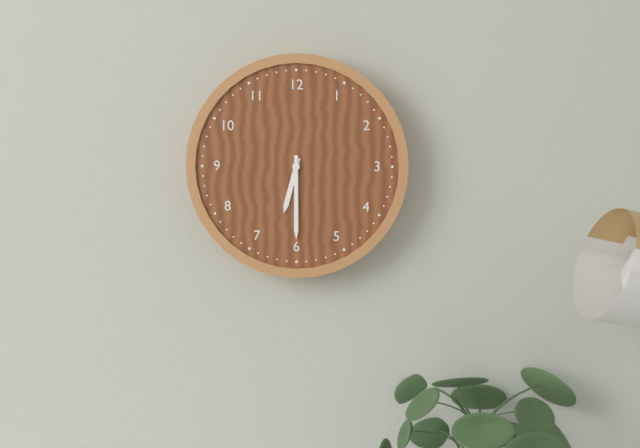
6:30
